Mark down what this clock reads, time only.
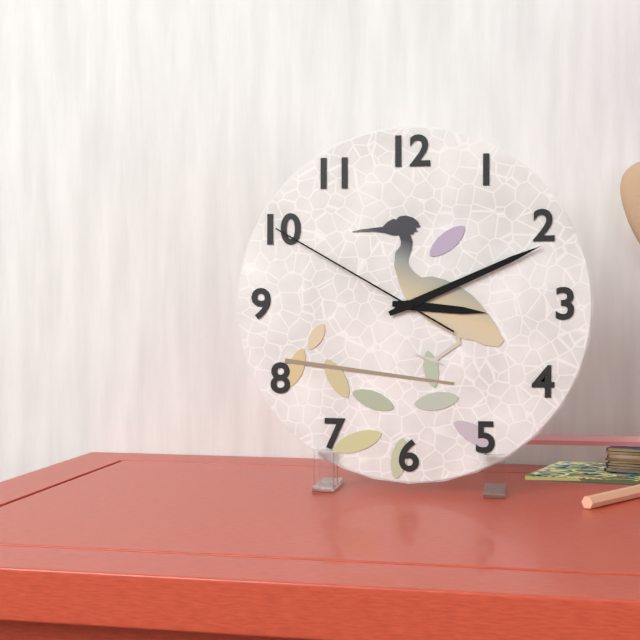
3:11:50
